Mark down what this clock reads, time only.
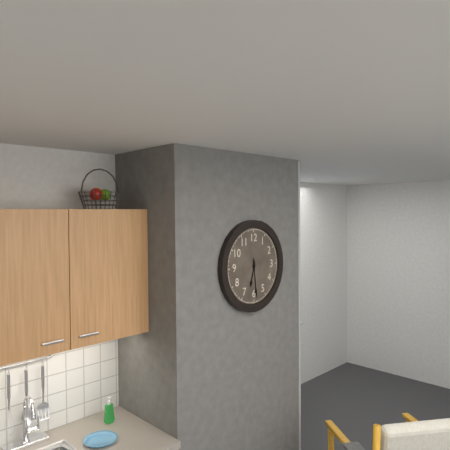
6:29
